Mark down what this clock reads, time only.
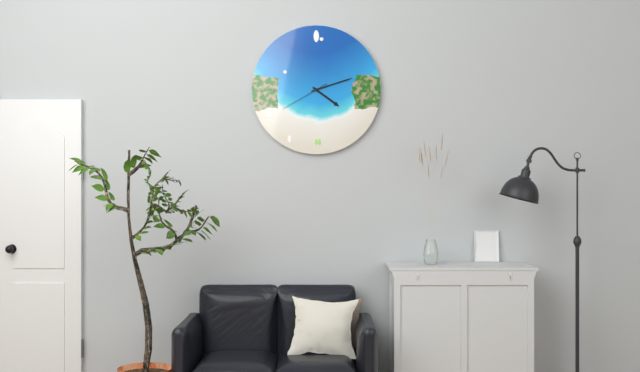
4:12
